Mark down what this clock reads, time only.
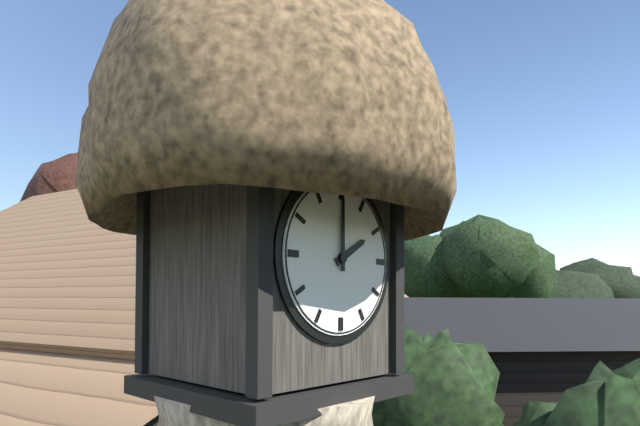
2:00
